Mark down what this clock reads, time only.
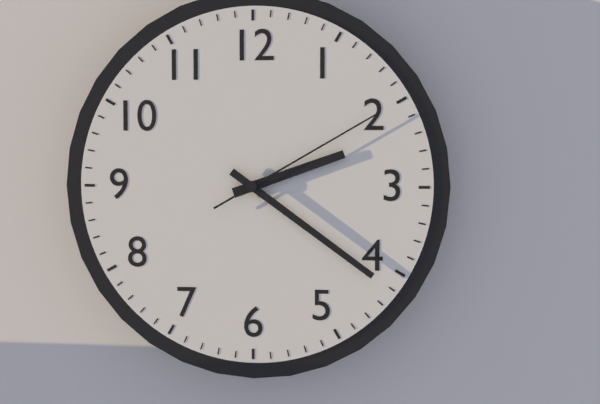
2:21:10
